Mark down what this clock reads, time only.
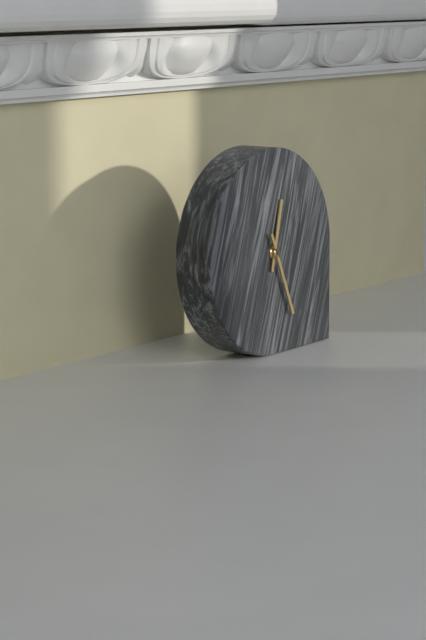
12:26
